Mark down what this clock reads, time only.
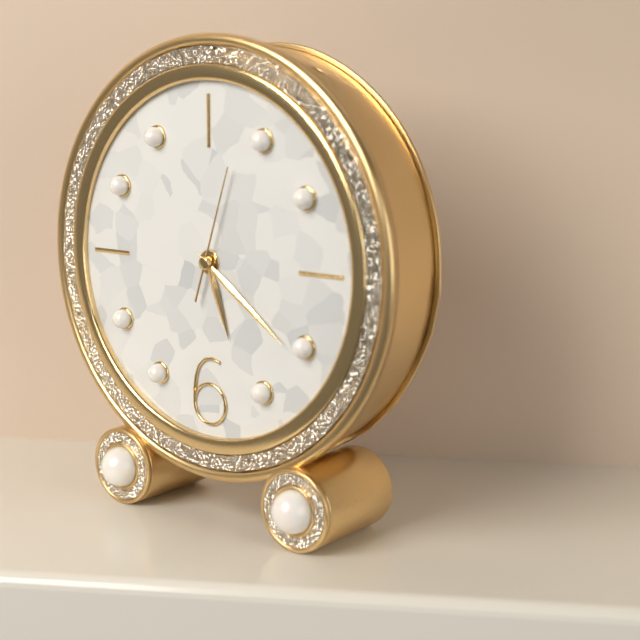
5:21:03
